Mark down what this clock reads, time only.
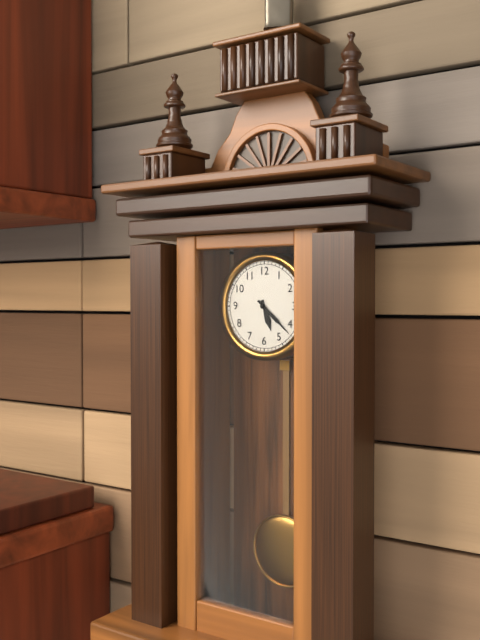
5:22
